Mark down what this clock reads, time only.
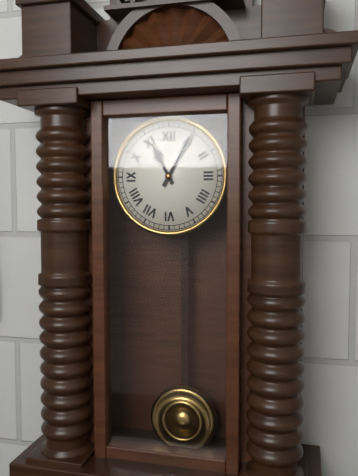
11:05
